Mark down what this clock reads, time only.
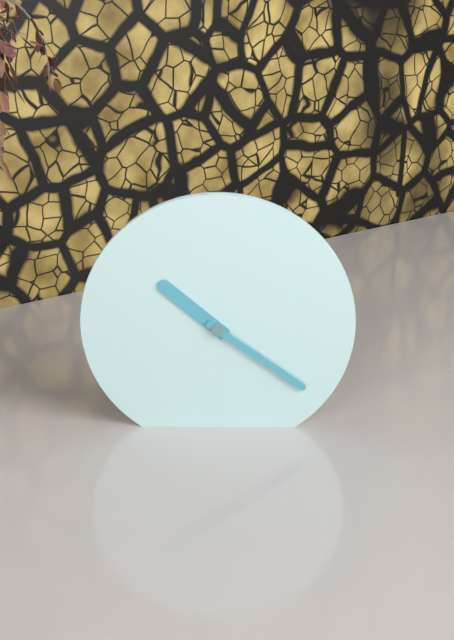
10:21
